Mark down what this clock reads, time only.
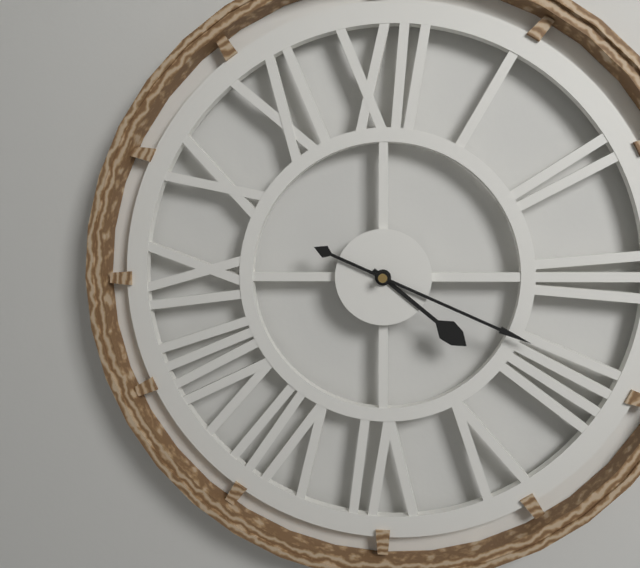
4:19
